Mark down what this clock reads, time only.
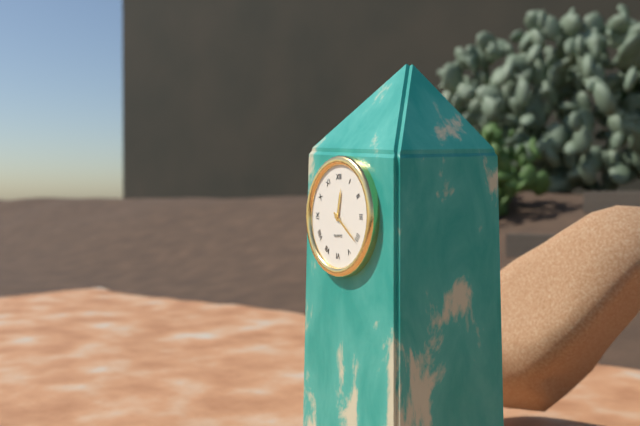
12:21
